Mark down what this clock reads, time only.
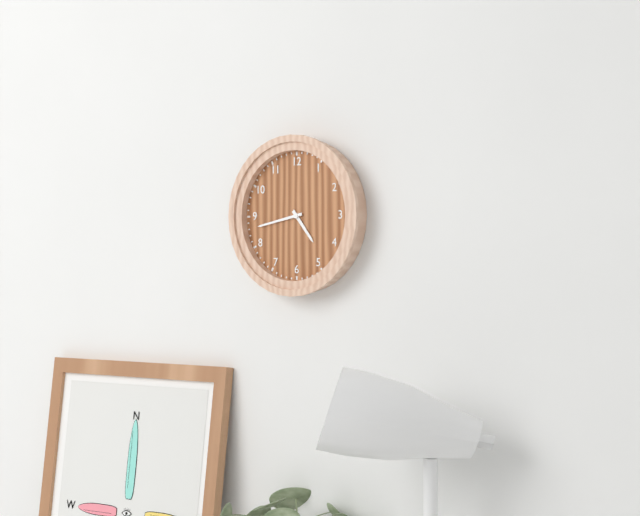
4:43
